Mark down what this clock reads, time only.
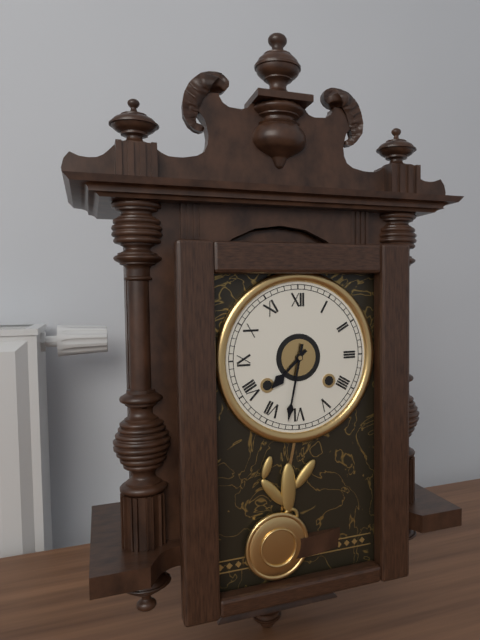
7:32
